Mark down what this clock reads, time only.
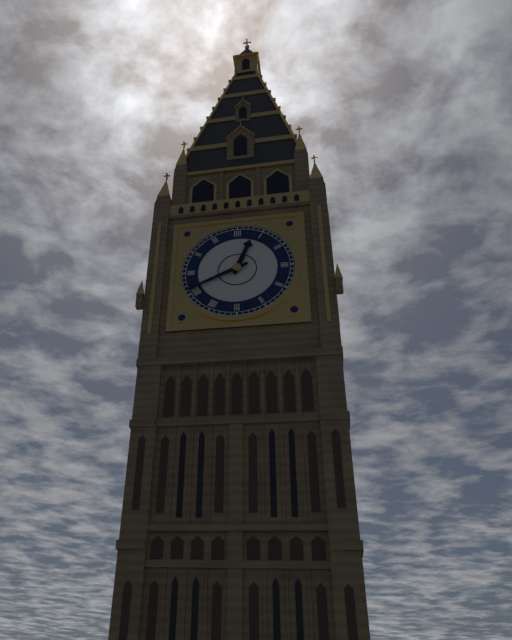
12:41
